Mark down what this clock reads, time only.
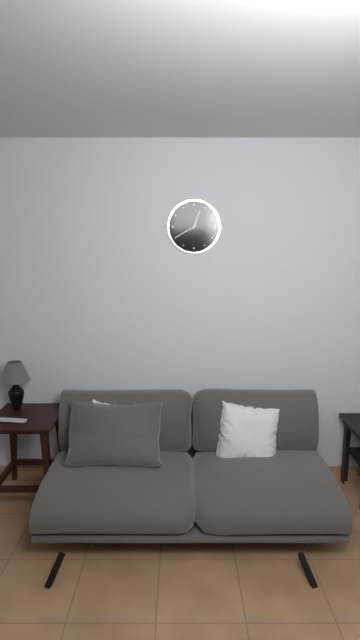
12:40
